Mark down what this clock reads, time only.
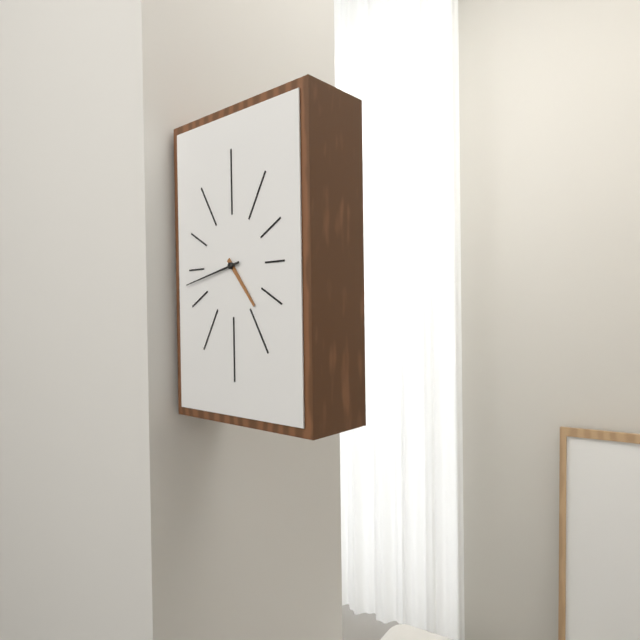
4:43
